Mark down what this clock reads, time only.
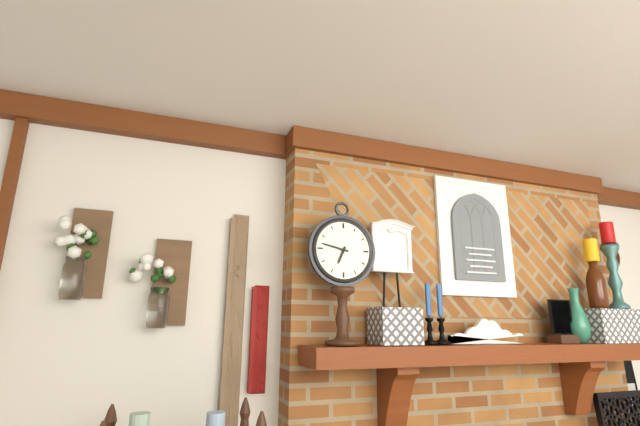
6:47
